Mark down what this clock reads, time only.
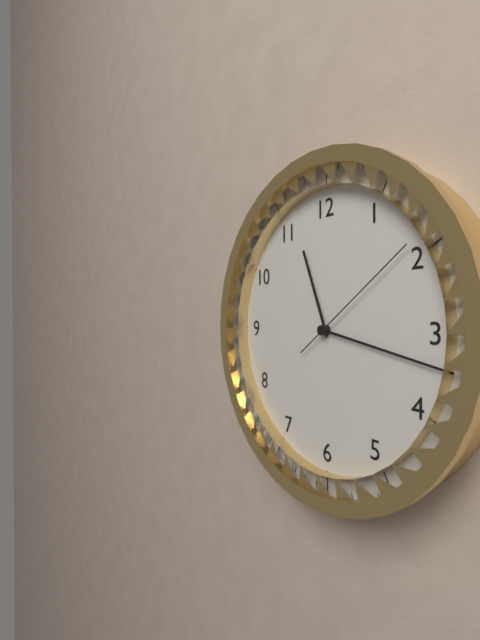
11:17:09
